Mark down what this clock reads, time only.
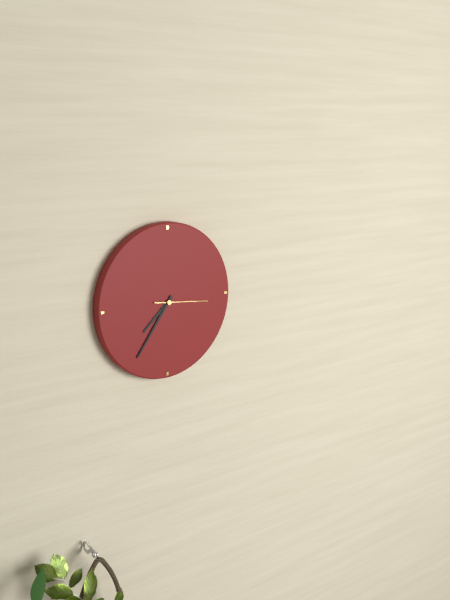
7:36
